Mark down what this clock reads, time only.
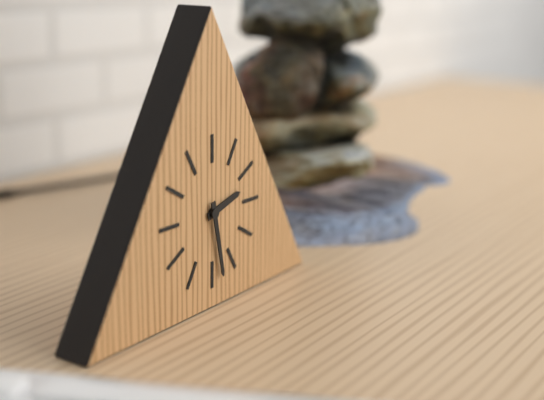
2:28
